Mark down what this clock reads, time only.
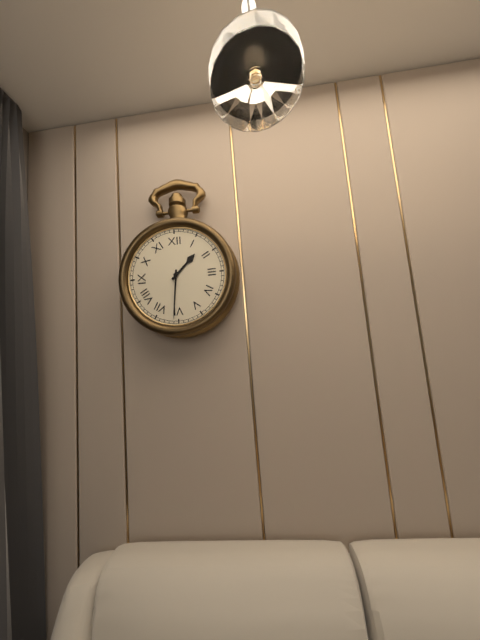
1:31
